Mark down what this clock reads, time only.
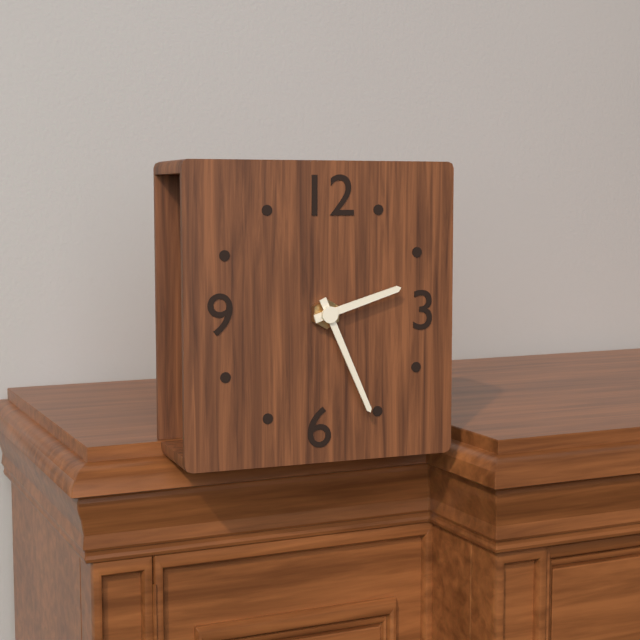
2:26
